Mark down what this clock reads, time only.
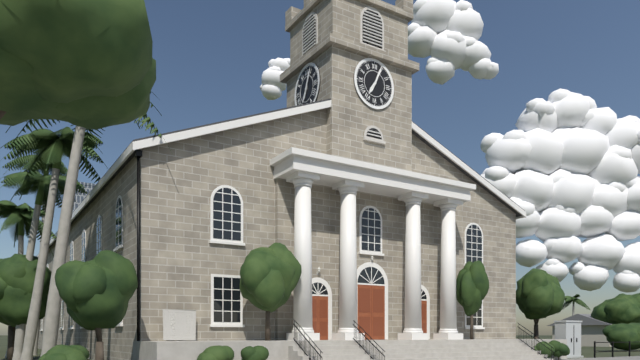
7:04
